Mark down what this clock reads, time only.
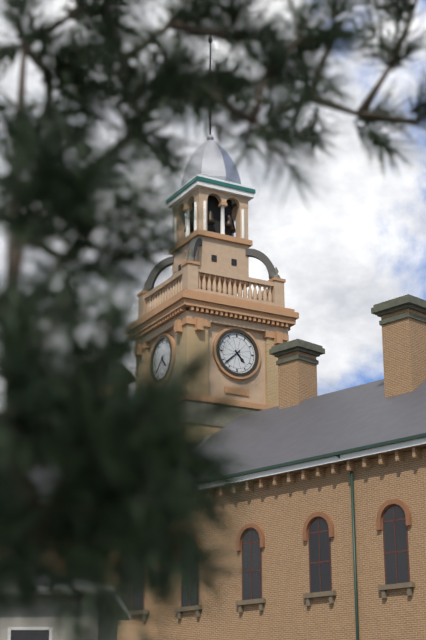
4:38
